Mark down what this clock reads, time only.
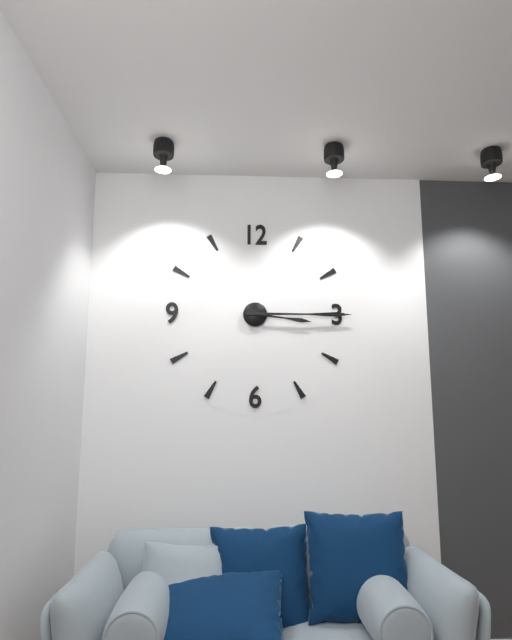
3:15
